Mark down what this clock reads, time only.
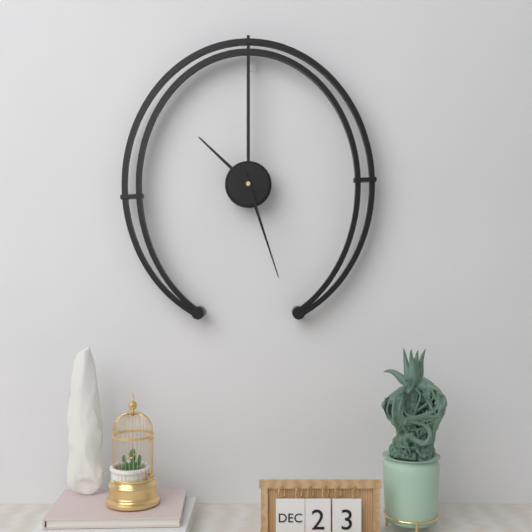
10:27
